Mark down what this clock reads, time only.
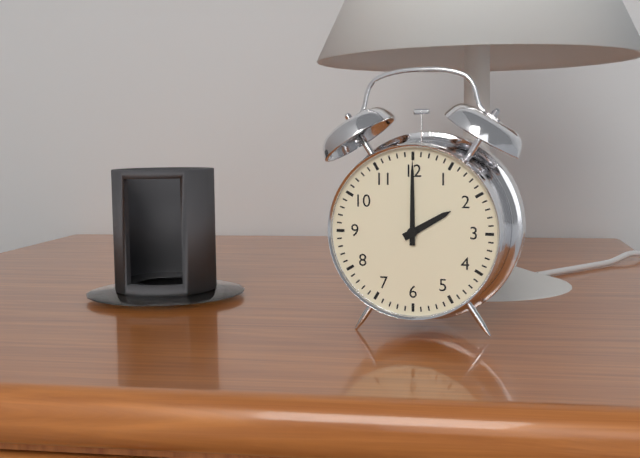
2:00
